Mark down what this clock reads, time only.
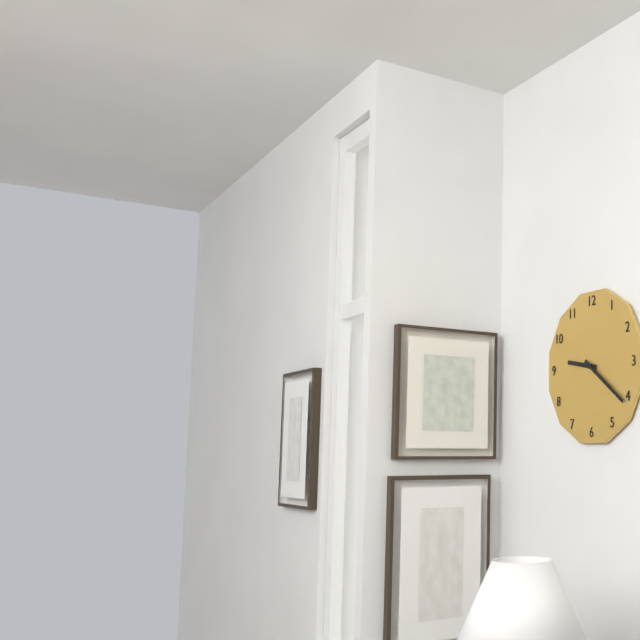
9:21
